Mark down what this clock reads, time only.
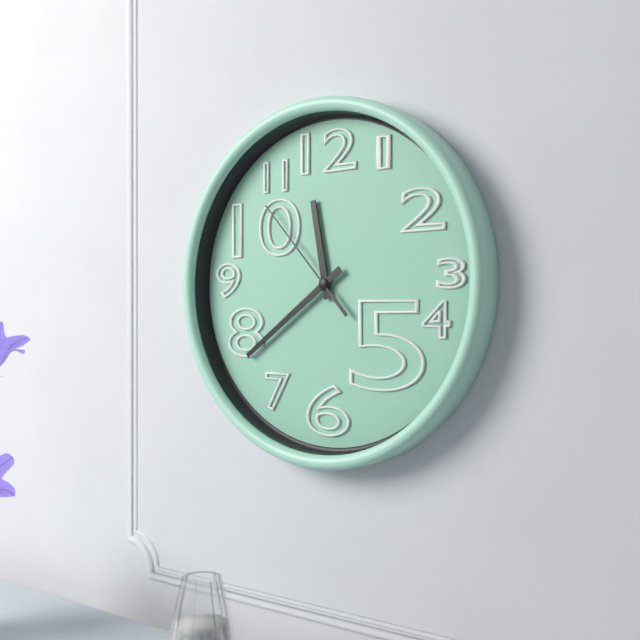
11:39:53
